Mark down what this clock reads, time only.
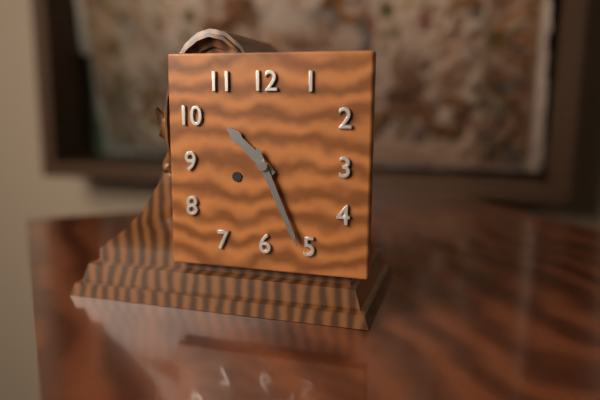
10:26
